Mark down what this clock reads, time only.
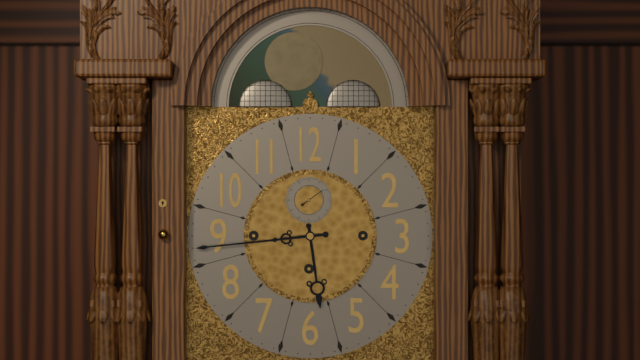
5:44
